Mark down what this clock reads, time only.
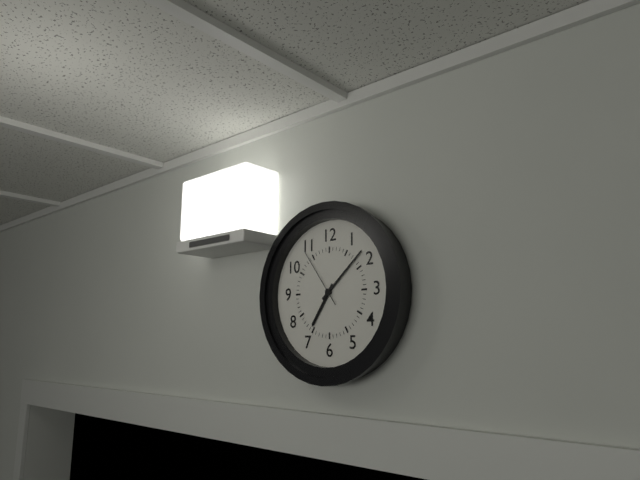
7:08:54
